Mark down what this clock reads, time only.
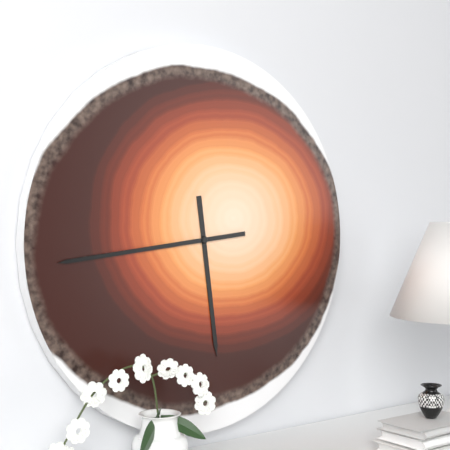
5:44
